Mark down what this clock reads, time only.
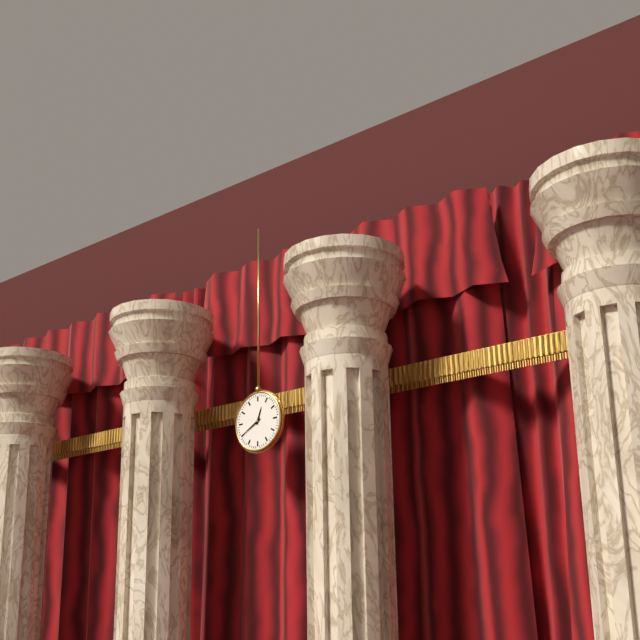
12:40
